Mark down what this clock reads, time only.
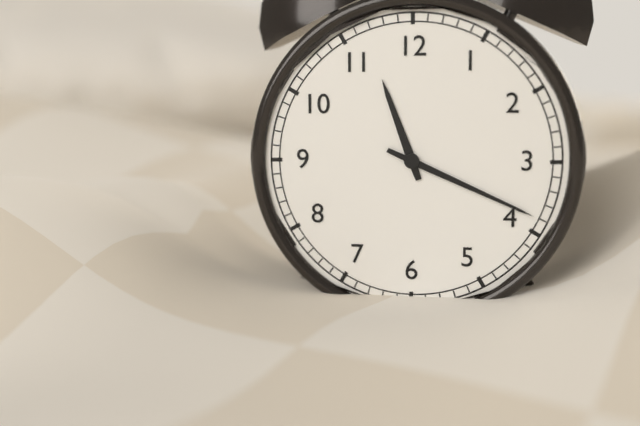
11:19
